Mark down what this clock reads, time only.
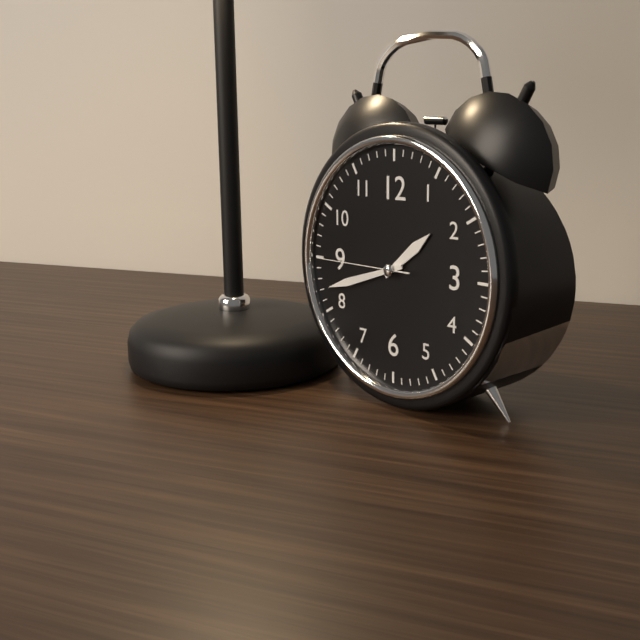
1:42:45
